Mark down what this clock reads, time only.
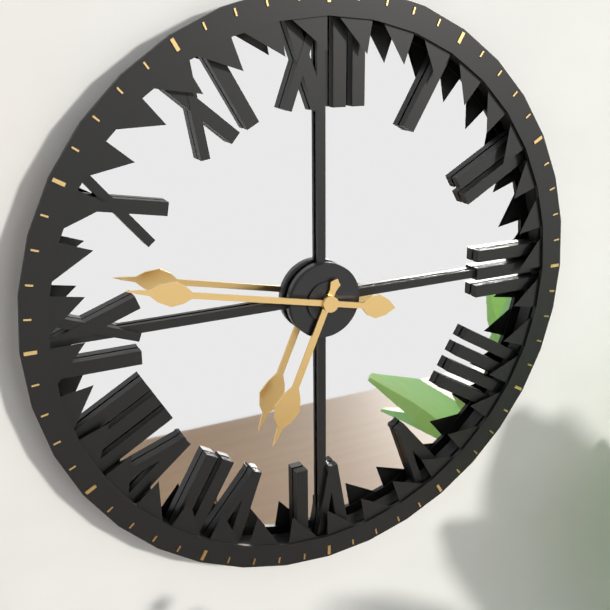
6:47
